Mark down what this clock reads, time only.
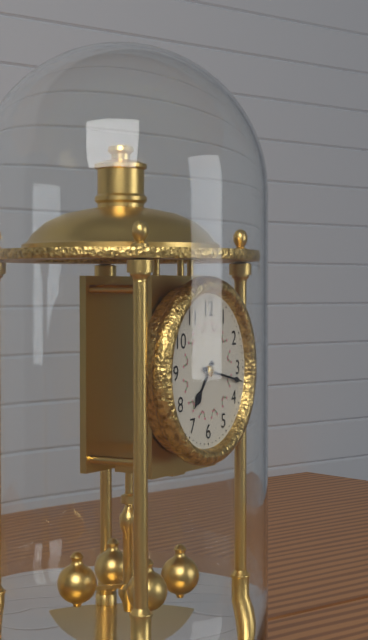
7:17
